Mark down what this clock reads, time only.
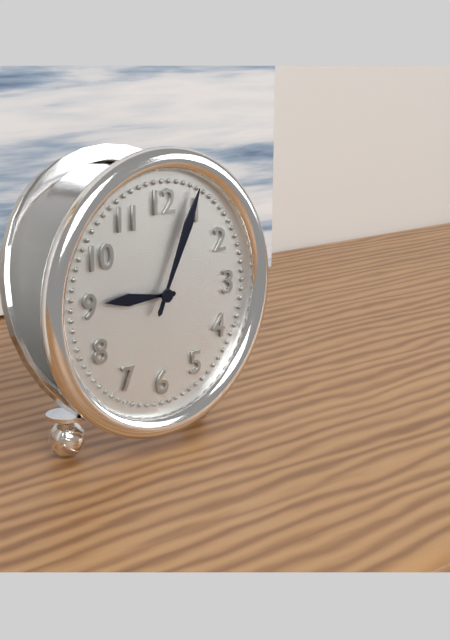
9:04
